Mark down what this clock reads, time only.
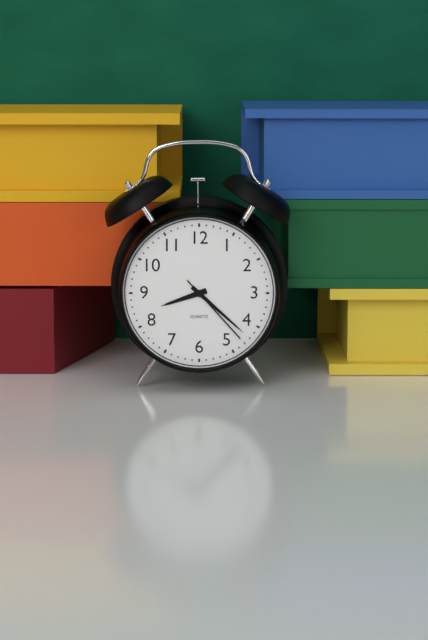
8:22:23
